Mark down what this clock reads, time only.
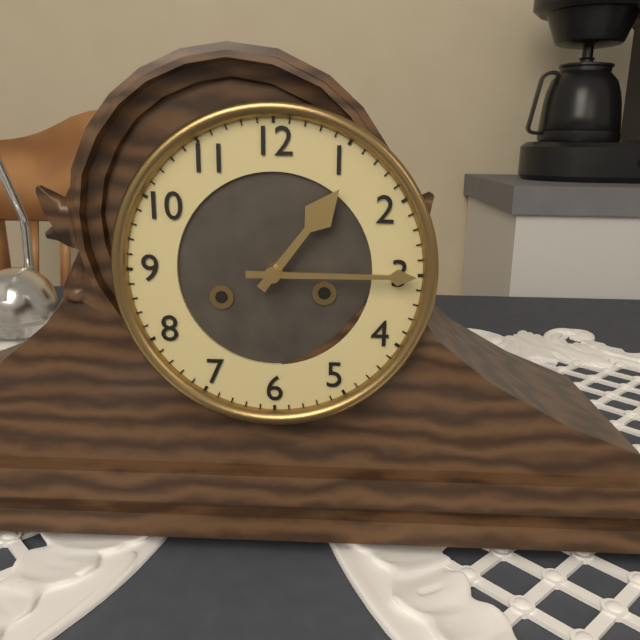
1:15
